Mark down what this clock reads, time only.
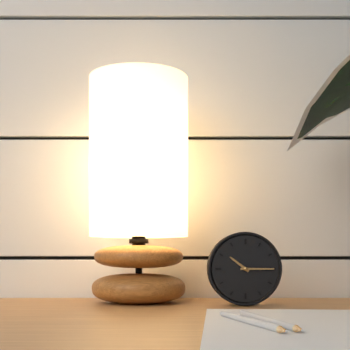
10:15
